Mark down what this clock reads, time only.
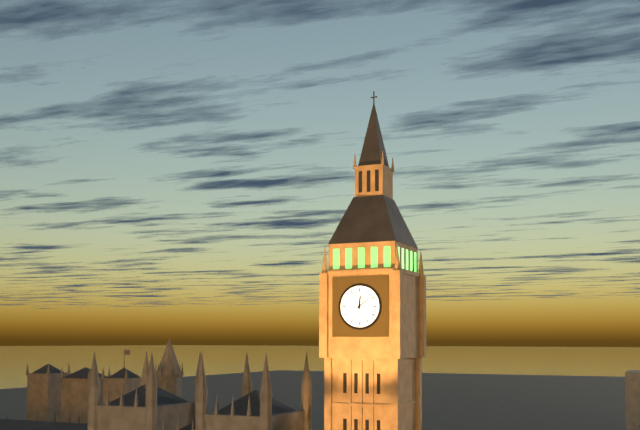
12:09
